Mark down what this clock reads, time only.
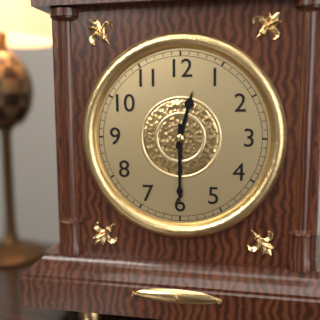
12:30
